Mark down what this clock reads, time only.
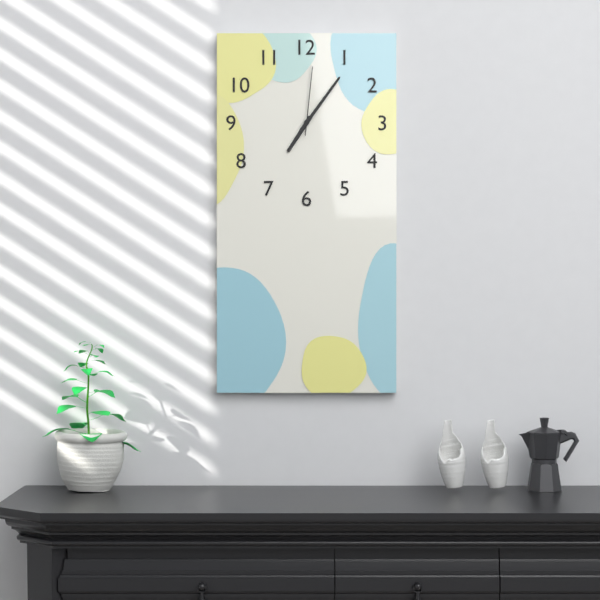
7:06:01
